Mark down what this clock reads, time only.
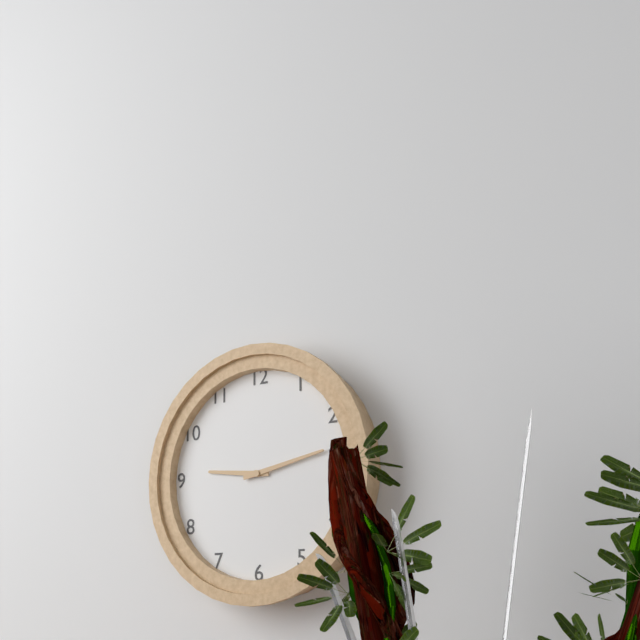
9:13
